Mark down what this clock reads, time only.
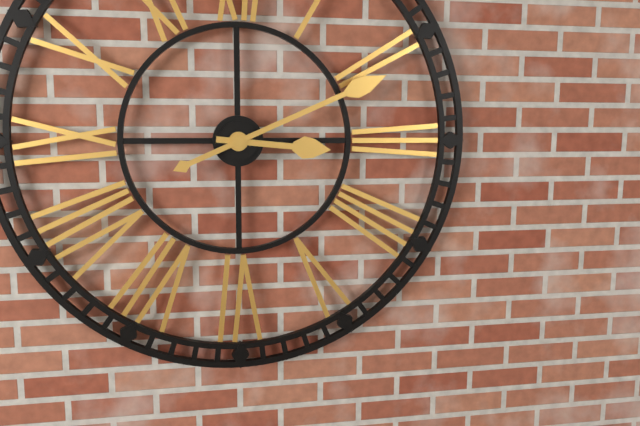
3:11
